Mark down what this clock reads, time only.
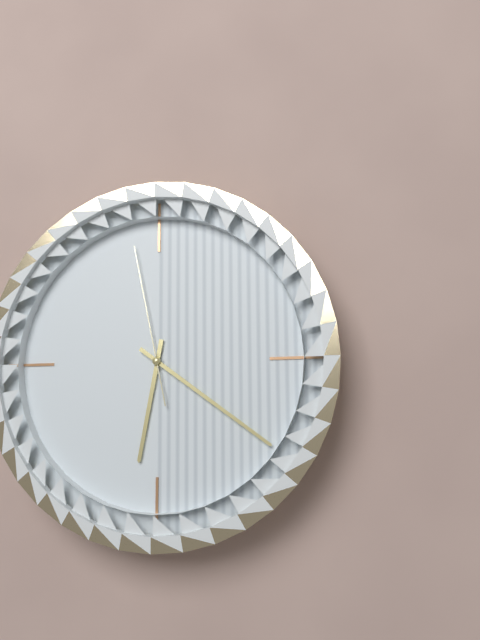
6:21:58
